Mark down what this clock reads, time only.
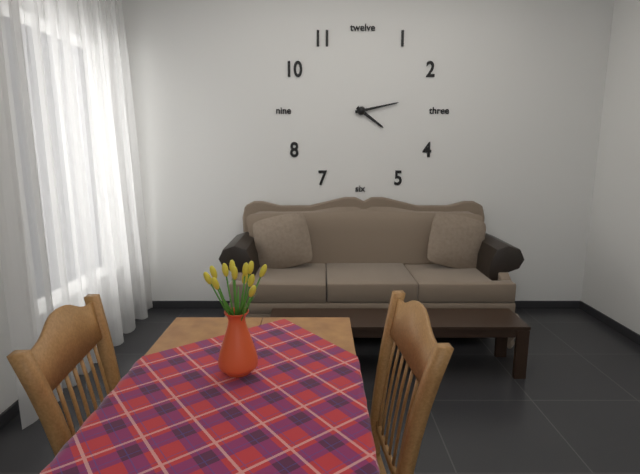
4:13
